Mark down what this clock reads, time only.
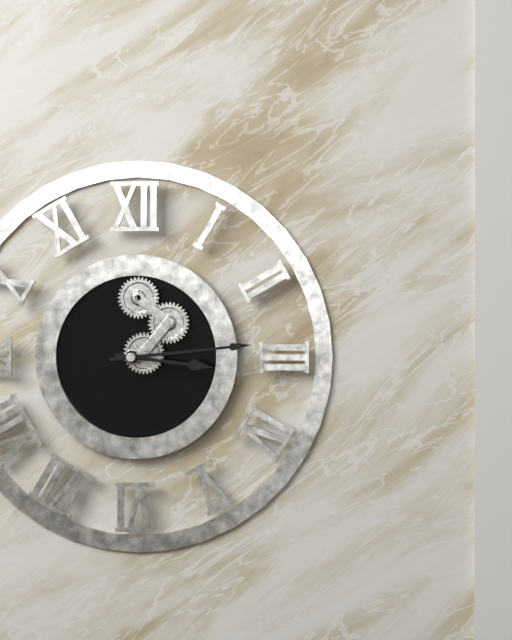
3:14
